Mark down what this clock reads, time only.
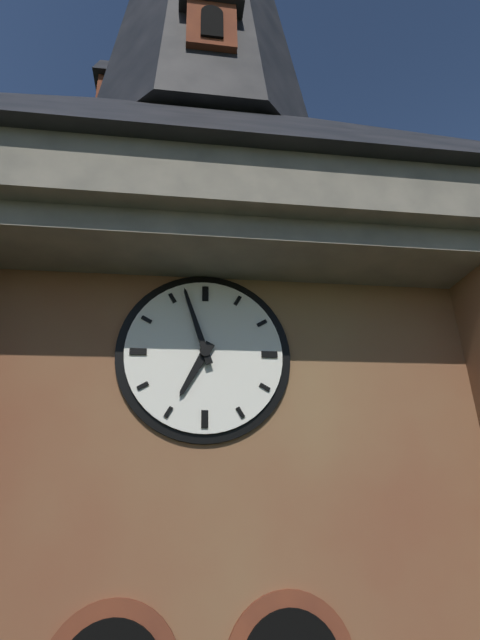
6:57
